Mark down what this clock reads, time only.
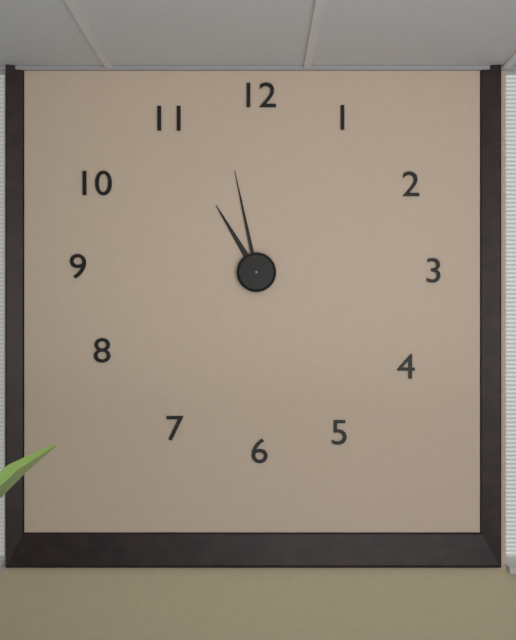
10:58
